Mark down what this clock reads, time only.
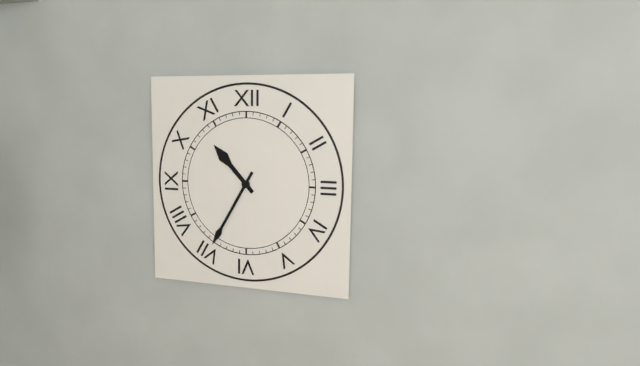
10:35
